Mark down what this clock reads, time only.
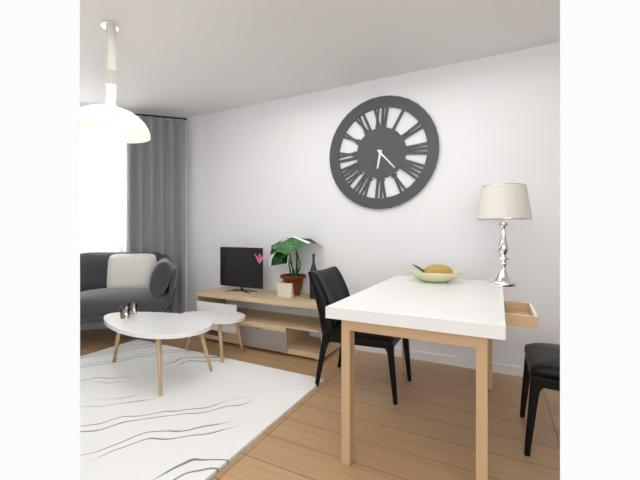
6:23
